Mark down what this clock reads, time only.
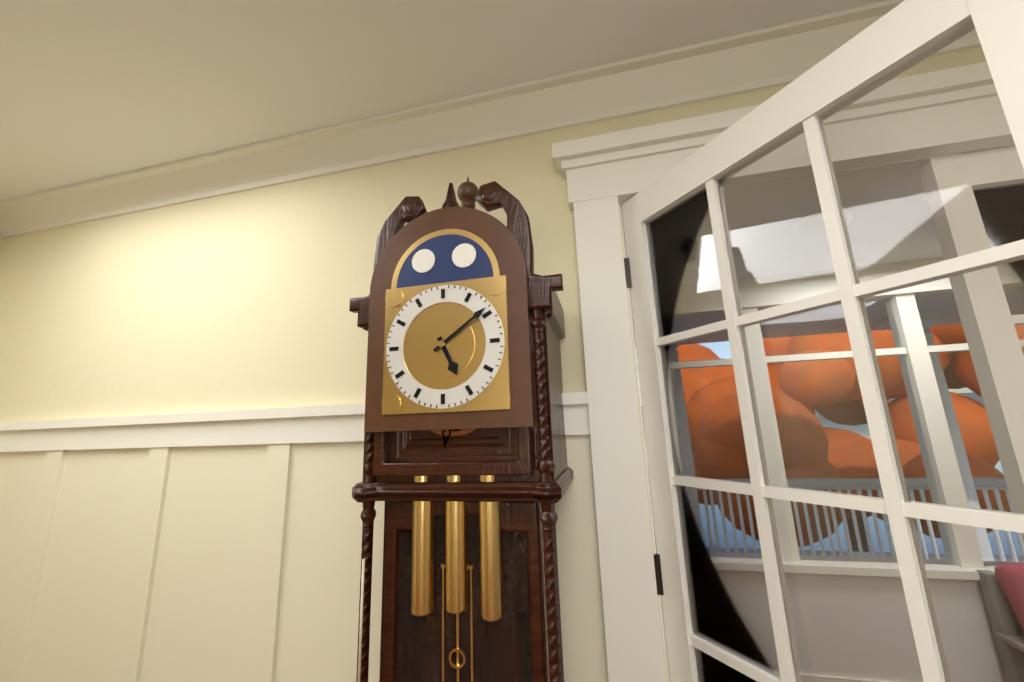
5:09
